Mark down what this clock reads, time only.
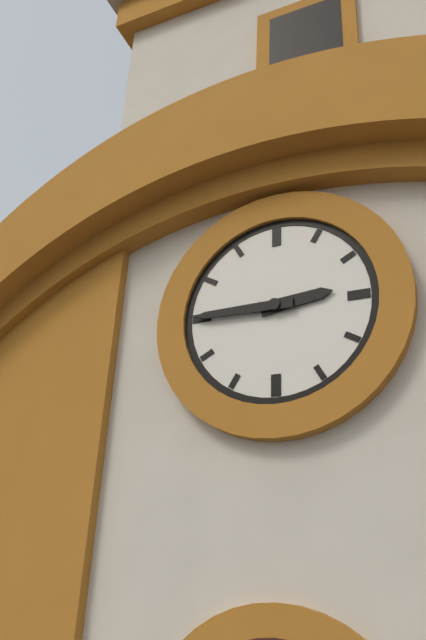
2:45
